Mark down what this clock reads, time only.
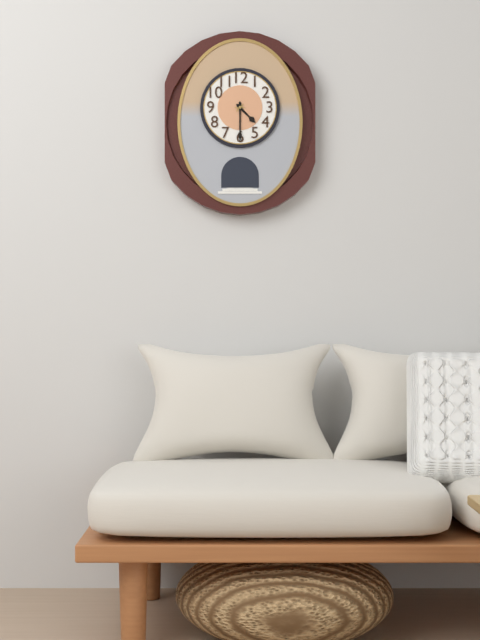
4:30
